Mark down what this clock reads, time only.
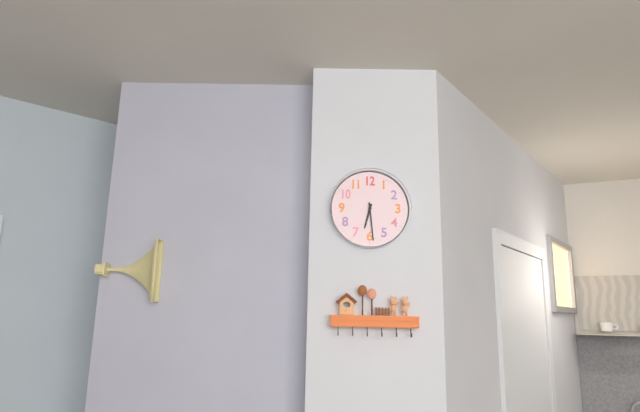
6:29
